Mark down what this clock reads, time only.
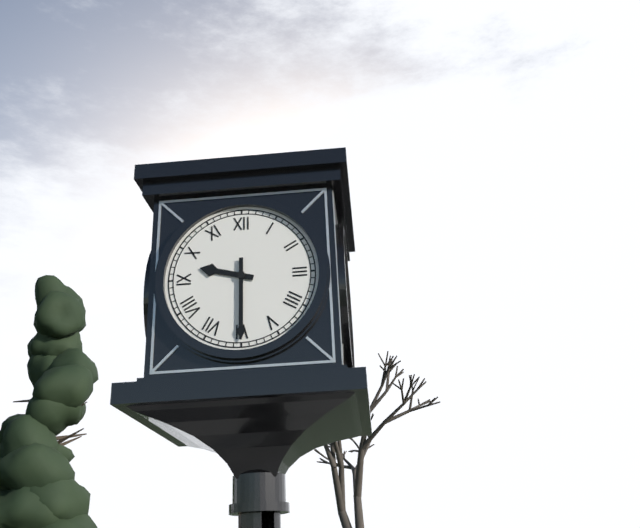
9:30
